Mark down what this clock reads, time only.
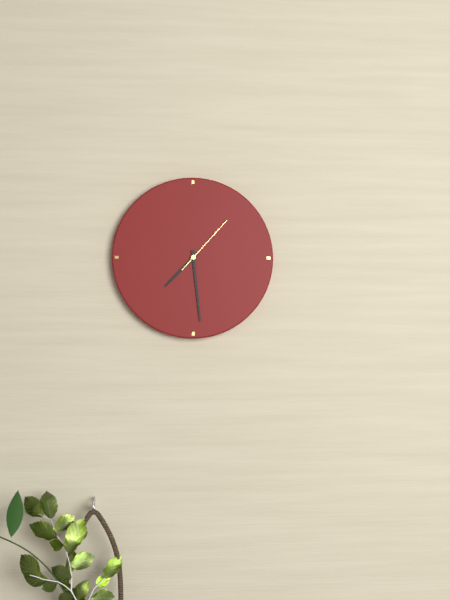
7:29:07
